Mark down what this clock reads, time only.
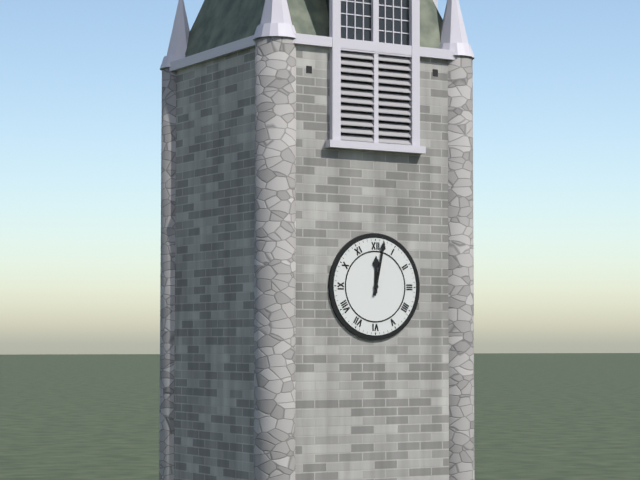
12:02
